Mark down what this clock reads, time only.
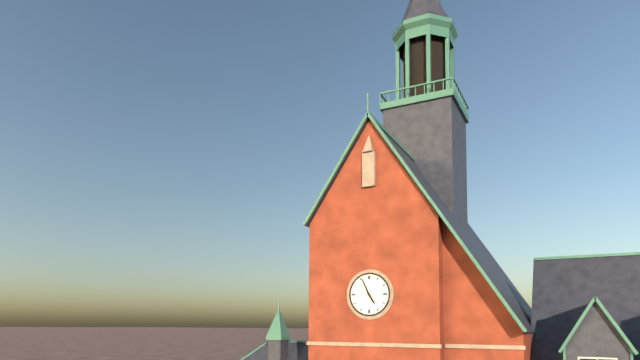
4:56
